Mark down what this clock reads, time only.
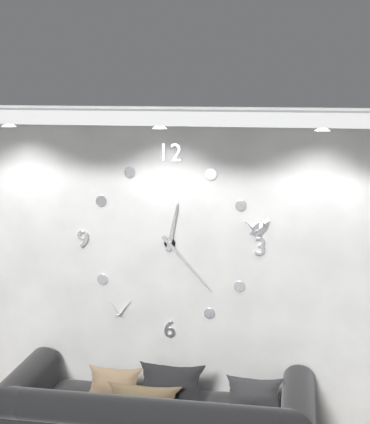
12:23
